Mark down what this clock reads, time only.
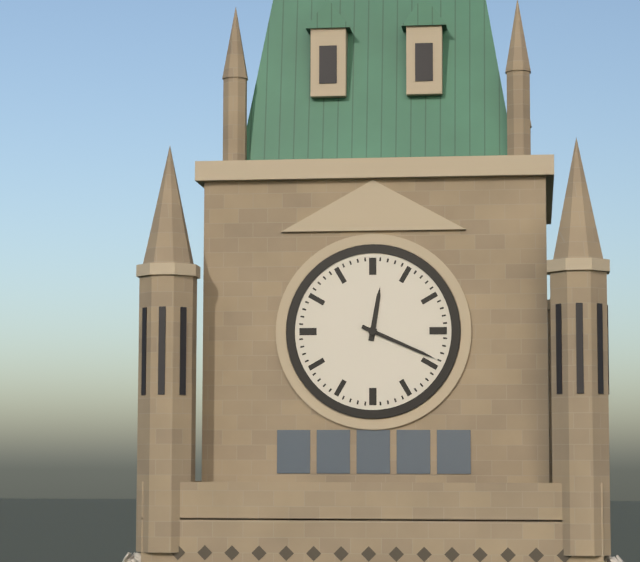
12:19
